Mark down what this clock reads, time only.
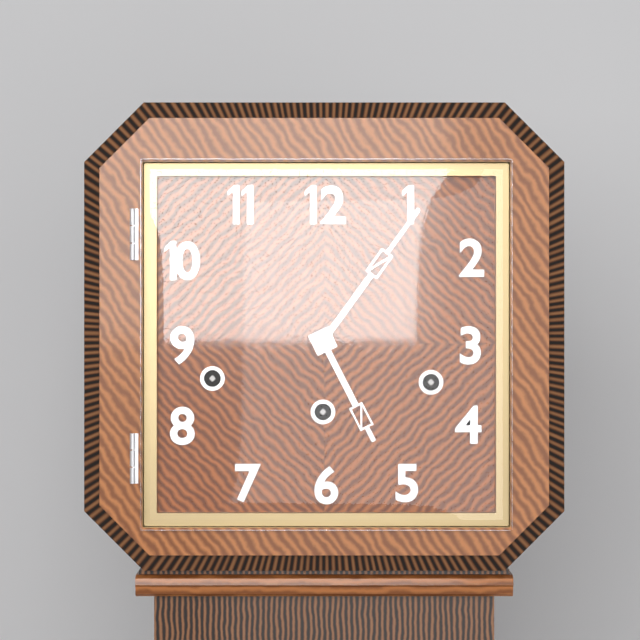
5:06
